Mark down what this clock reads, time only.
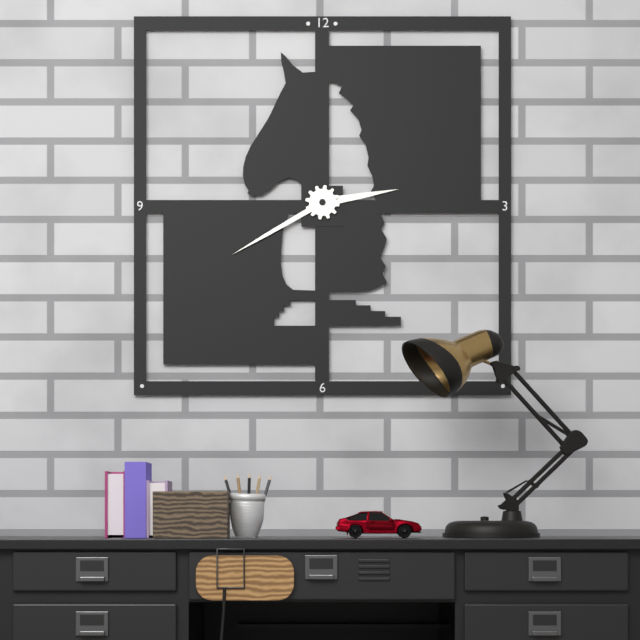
2:40
